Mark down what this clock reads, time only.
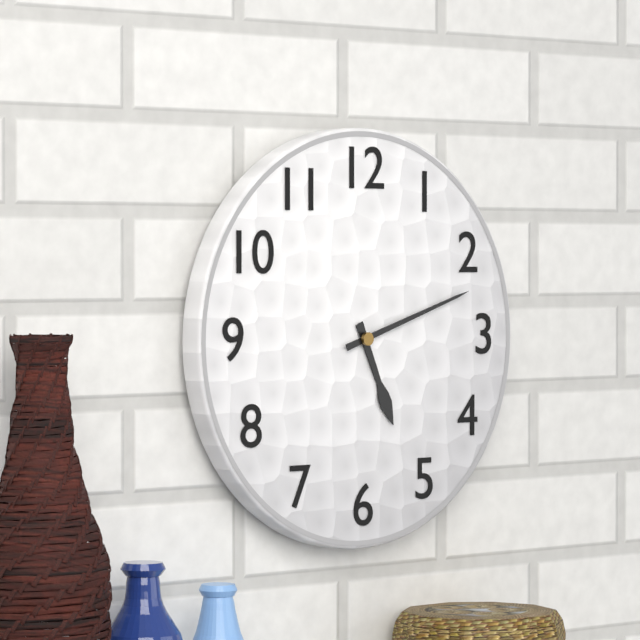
5:12
